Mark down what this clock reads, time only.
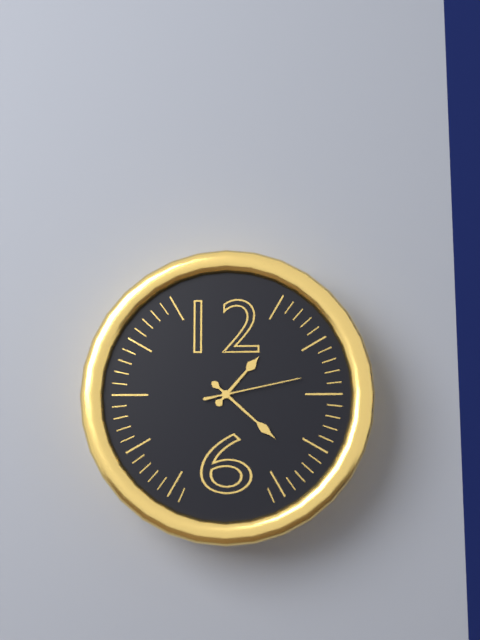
1:22:13
